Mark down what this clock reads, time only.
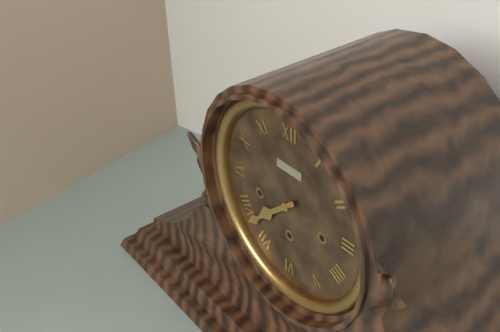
7:38
